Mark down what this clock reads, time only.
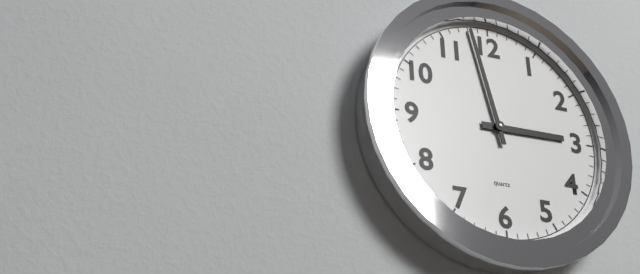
2:58
